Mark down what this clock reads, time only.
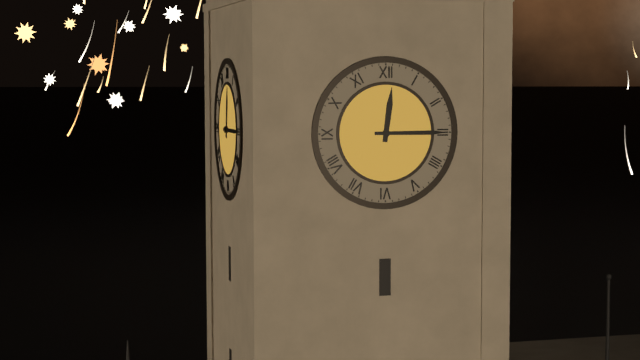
12:15
